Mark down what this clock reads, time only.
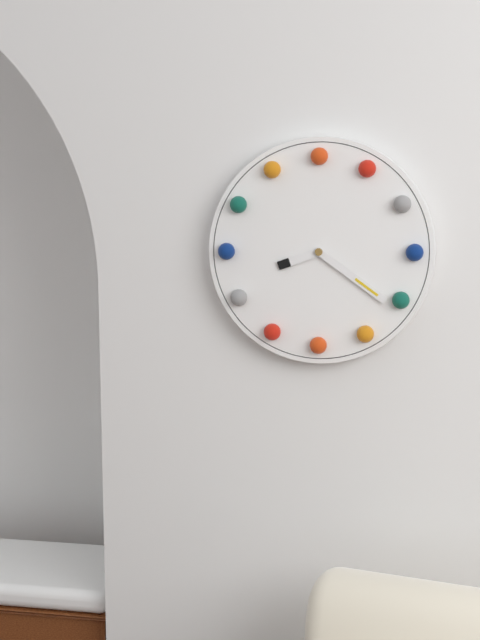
8:21
